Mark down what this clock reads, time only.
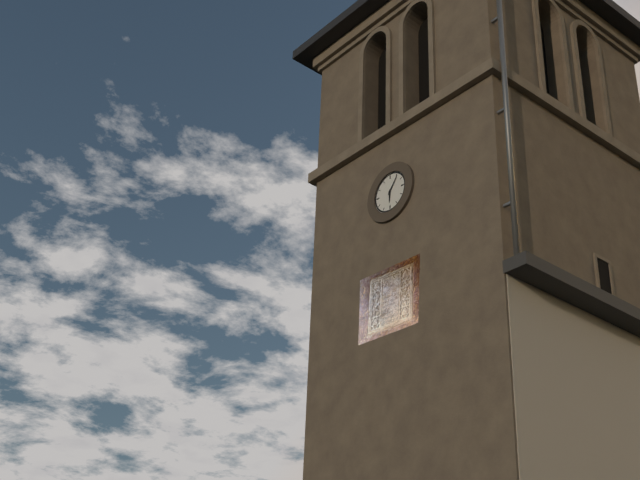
6:06
